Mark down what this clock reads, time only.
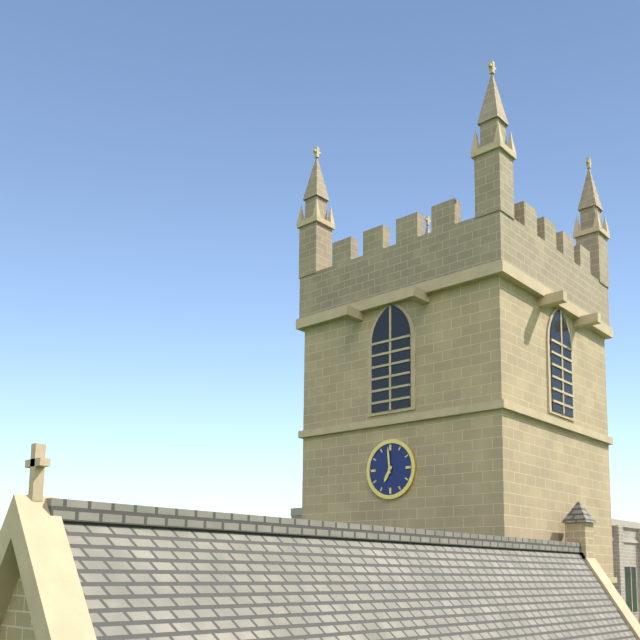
6:59
